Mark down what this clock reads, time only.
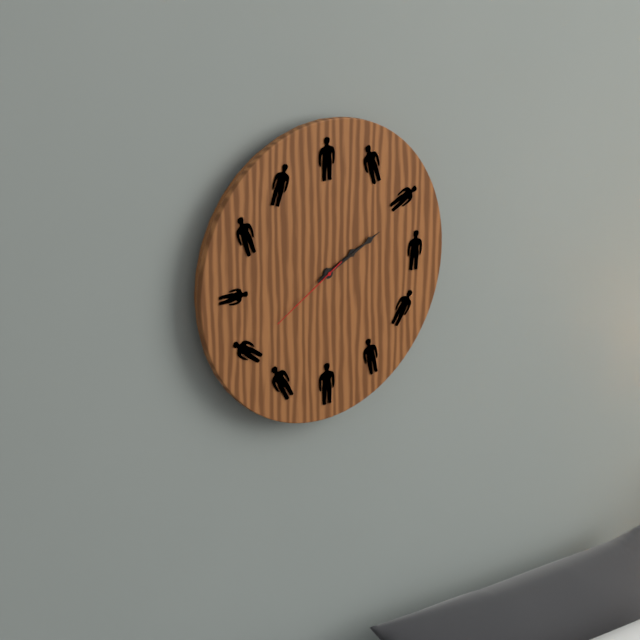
2:11:40
